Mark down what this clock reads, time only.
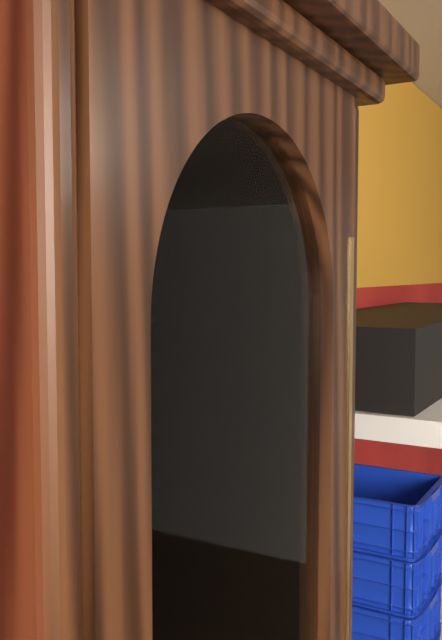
10:33
